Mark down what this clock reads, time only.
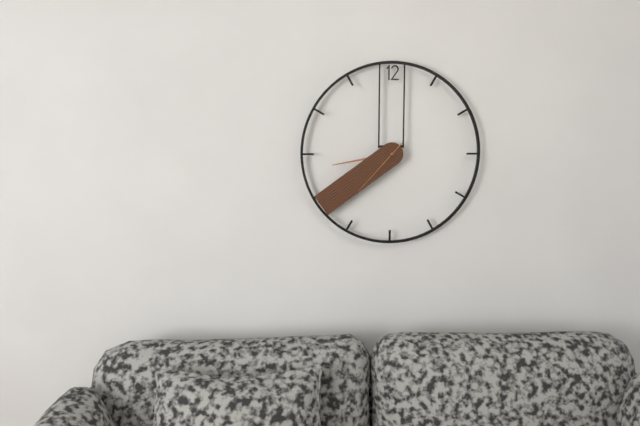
8:39:37
